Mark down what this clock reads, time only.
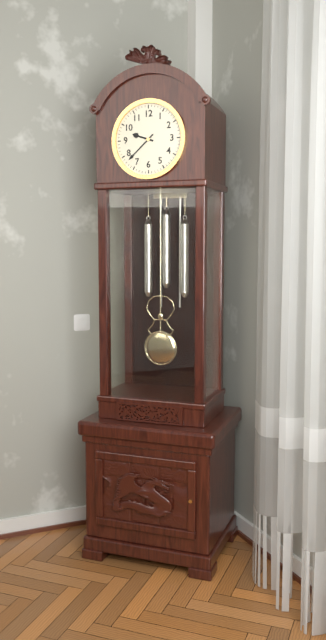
9:38
